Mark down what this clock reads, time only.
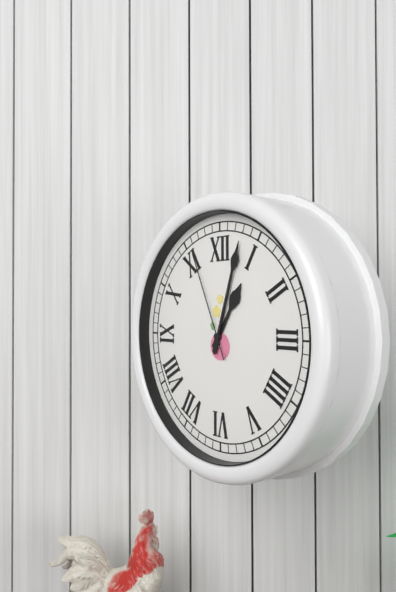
1:03:56
